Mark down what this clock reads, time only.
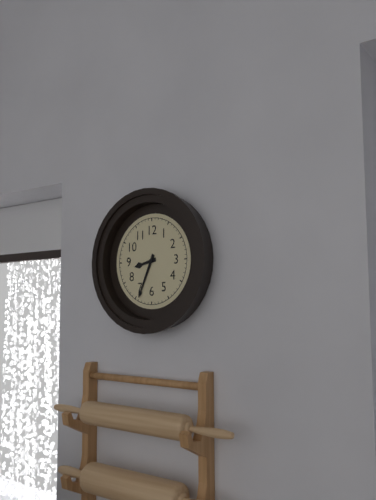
8:34
